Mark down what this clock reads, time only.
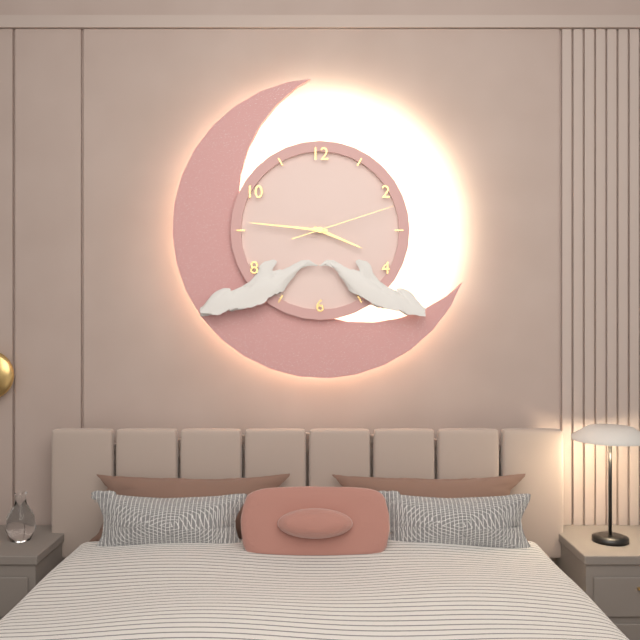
3:46:12
